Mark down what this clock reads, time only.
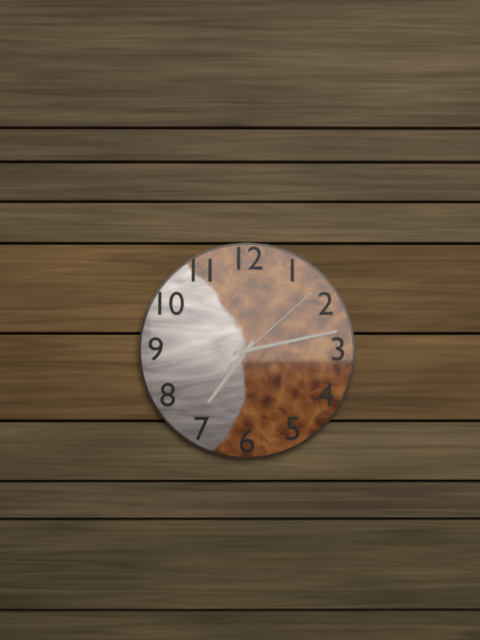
7:13:08
